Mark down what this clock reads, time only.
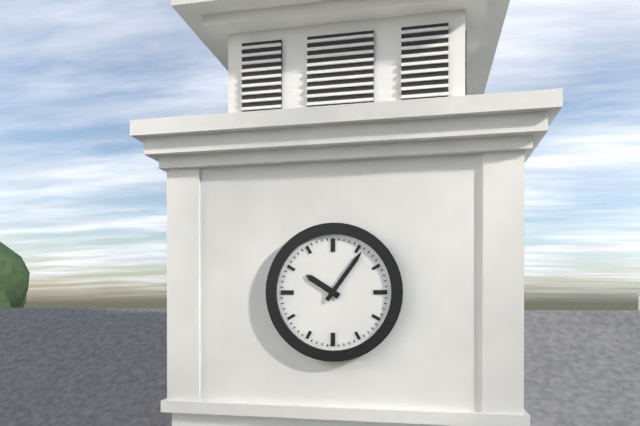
10:06
